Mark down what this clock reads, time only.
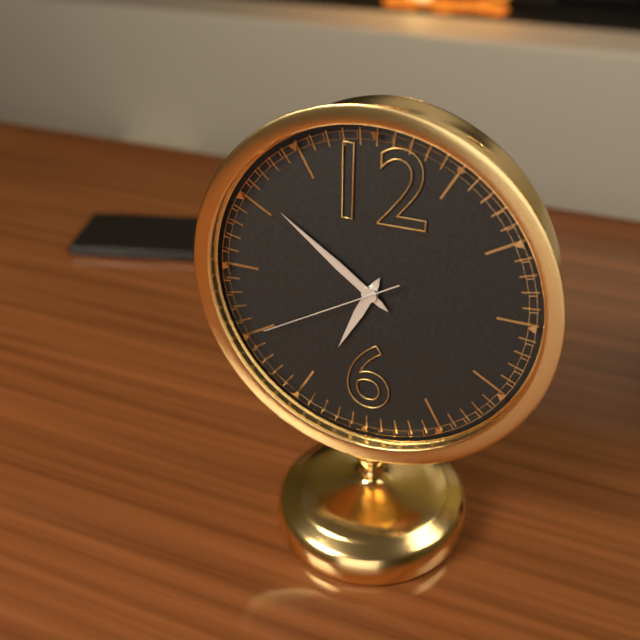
6:51:40
